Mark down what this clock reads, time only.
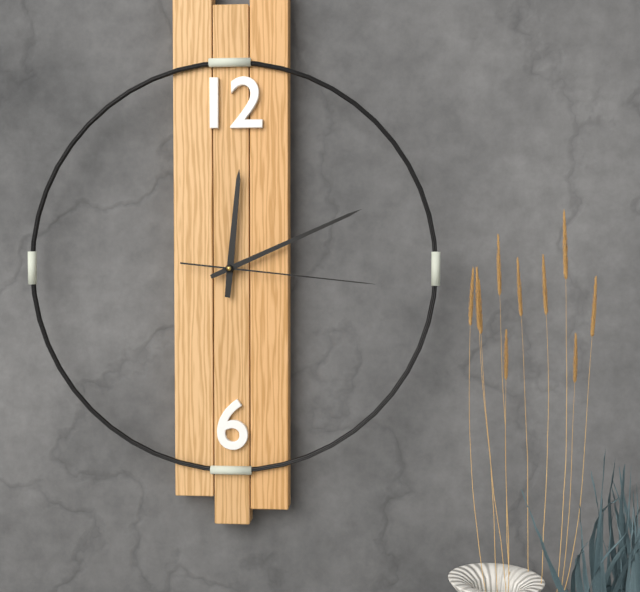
12:11:16
